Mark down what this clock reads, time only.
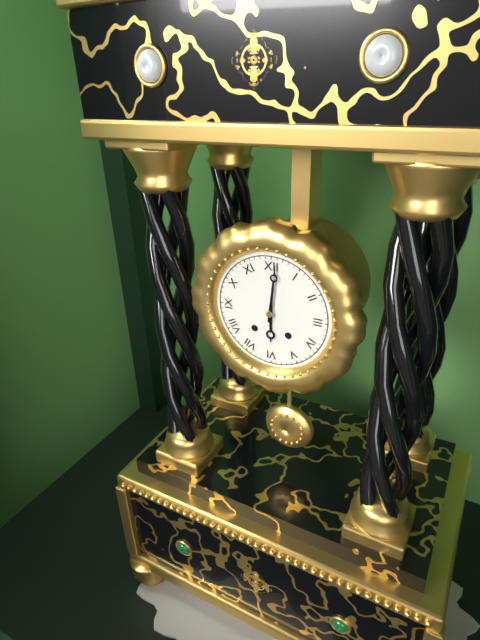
6:01
